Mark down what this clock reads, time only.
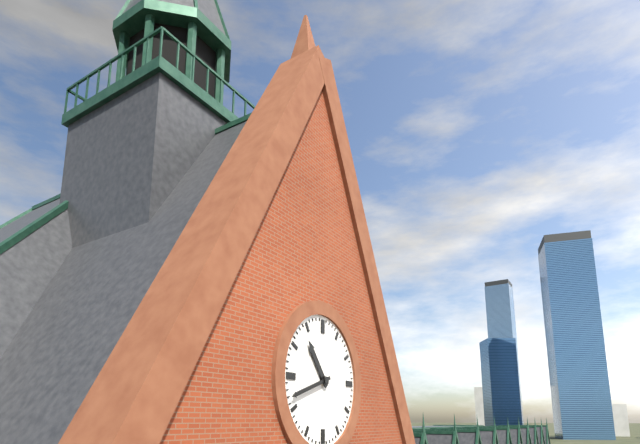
10:42
